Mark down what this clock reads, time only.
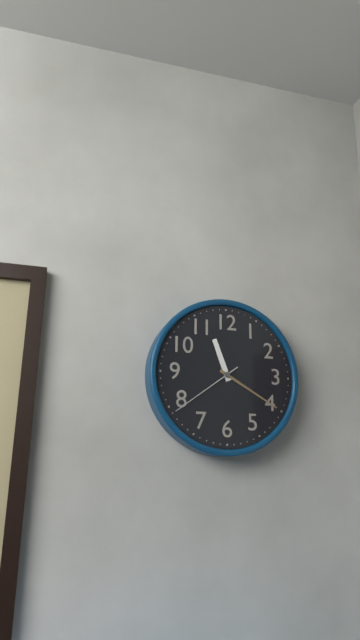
11:20:39
